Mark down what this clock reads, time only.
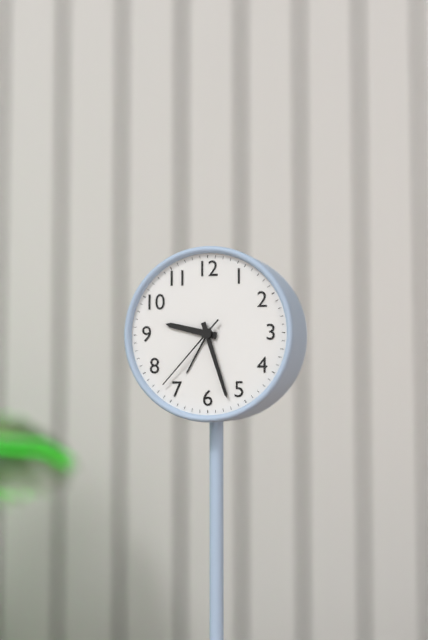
9:27:37
